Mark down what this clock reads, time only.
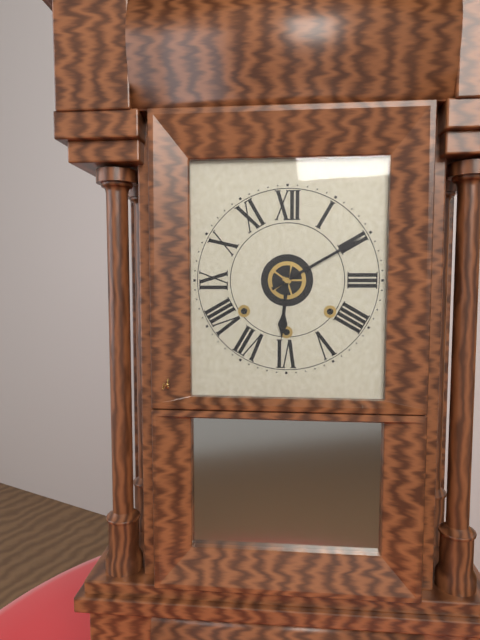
6:10
